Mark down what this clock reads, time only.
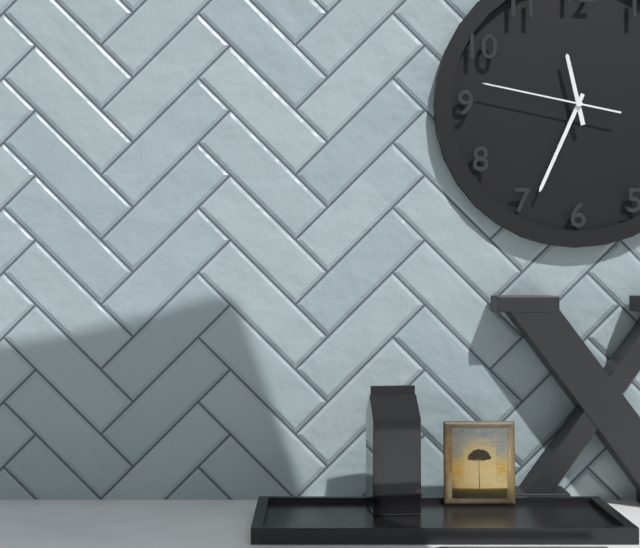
11:34:47
